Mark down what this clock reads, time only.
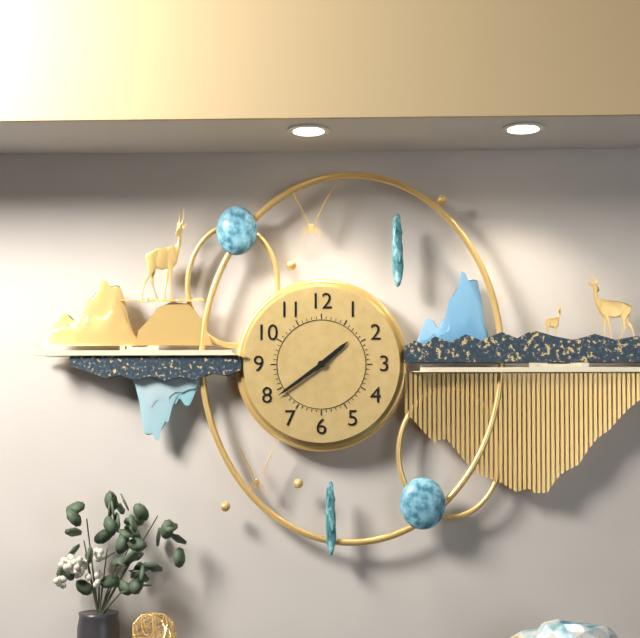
1:39
